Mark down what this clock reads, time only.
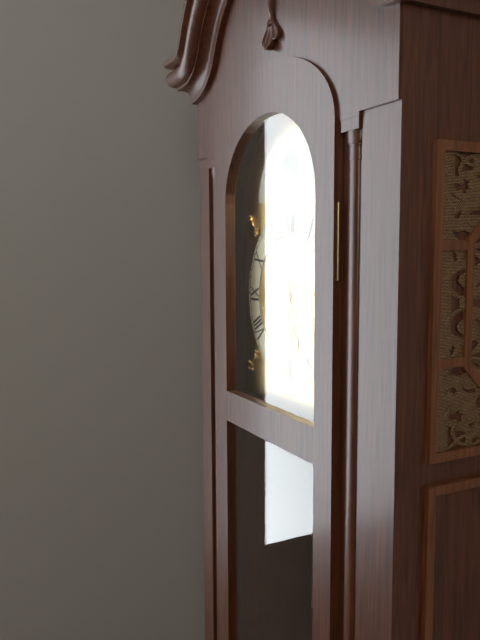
5:30
